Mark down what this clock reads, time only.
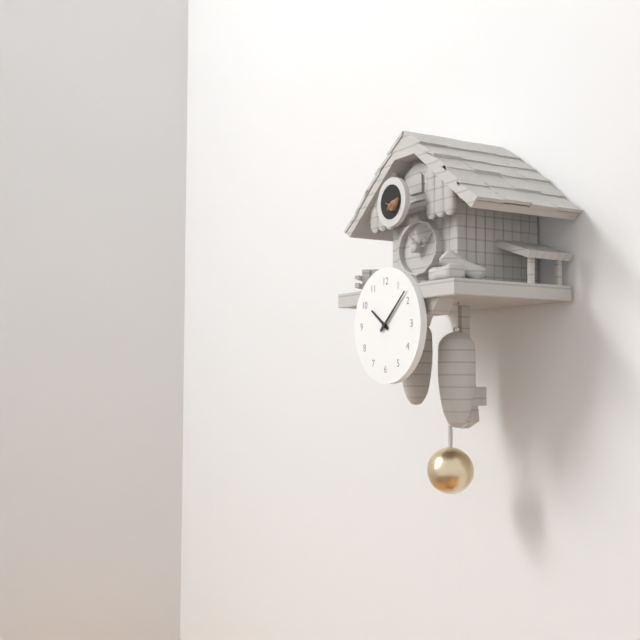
10:08
